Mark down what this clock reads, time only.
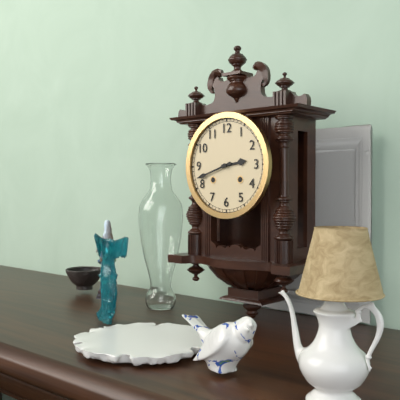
2:42
